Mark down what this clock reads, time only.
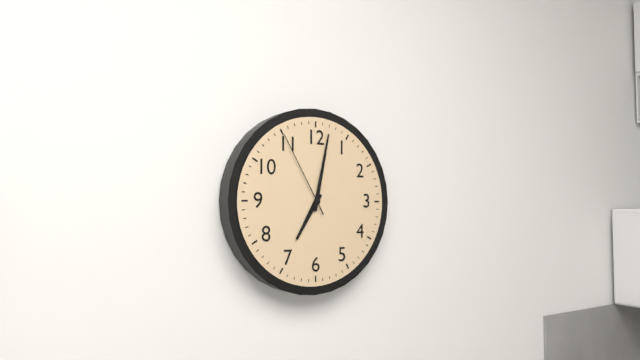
7:02:55
